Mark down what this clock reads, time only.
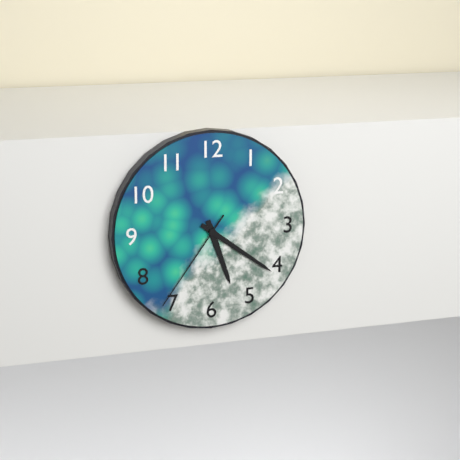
5:21:36
